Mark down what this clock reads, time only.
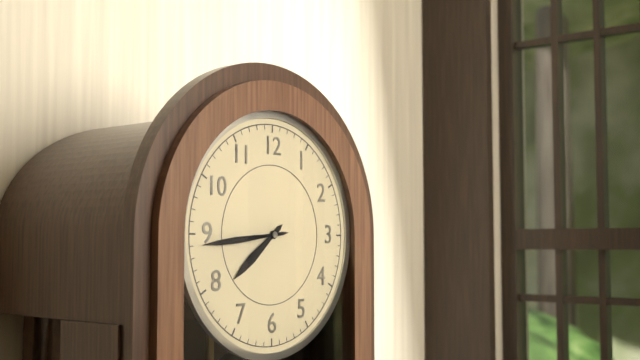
7:44
